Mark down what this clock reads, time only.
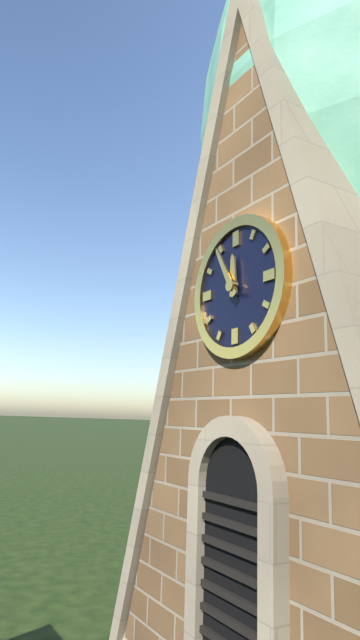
11:55
